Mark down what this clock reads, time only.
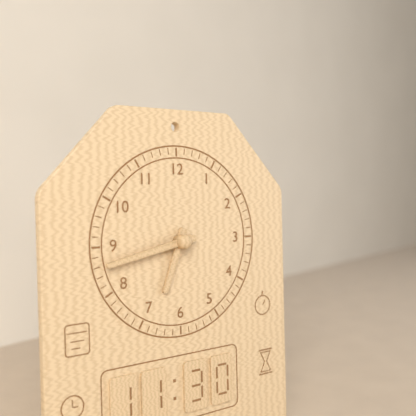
6:43
